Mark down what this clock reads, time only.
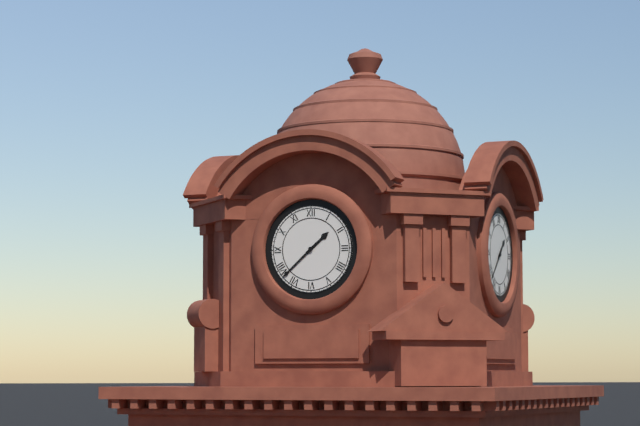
1:38
